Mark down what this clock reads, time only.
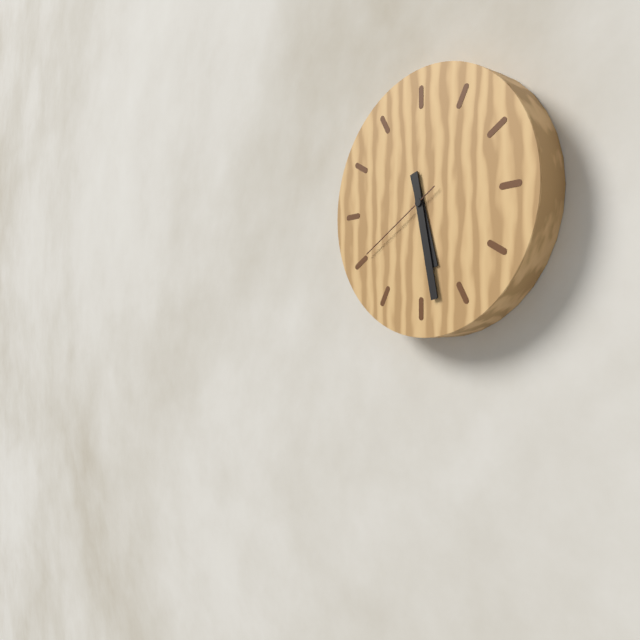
5:28:40
